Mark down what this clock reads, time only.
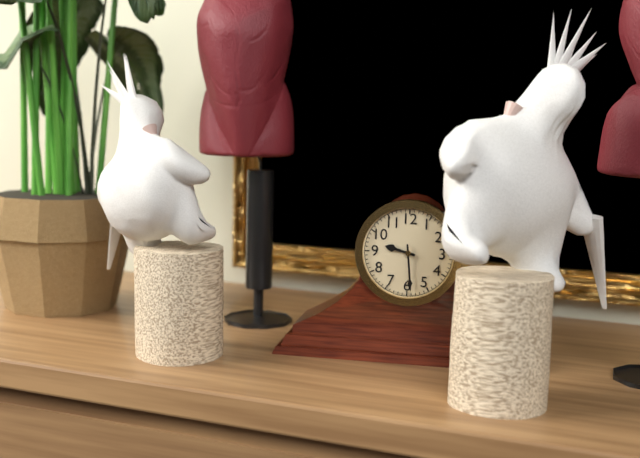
9:29
